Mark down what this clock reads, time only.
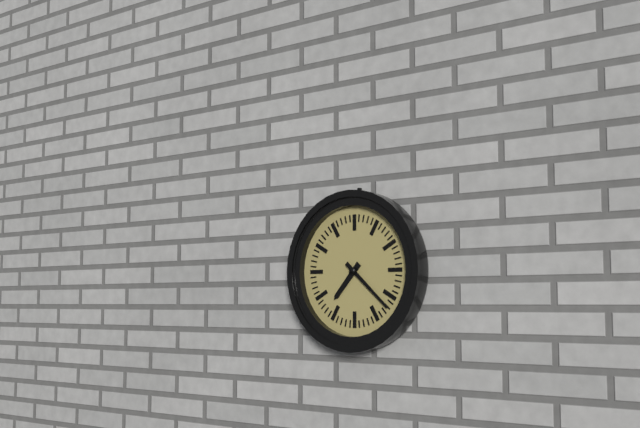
7:22
